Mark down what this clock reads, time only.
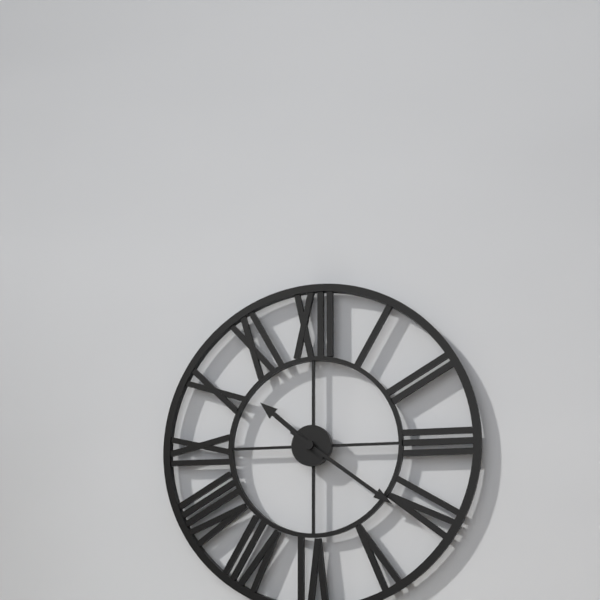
10:21
